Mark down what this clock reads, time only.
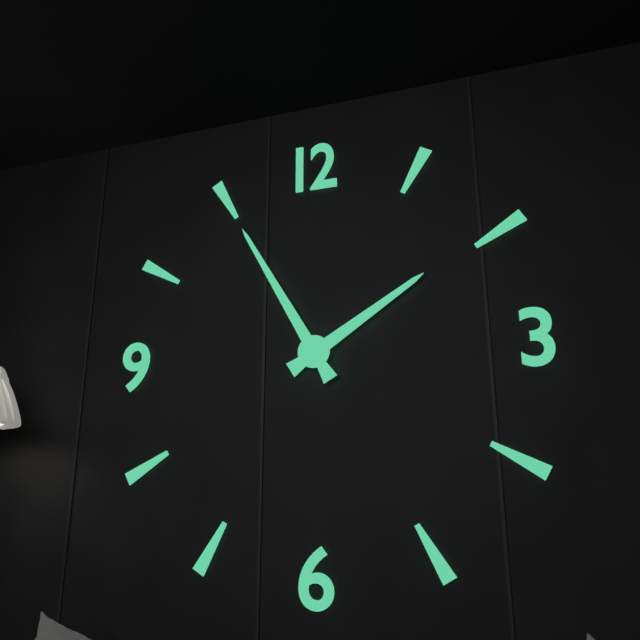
1:55
